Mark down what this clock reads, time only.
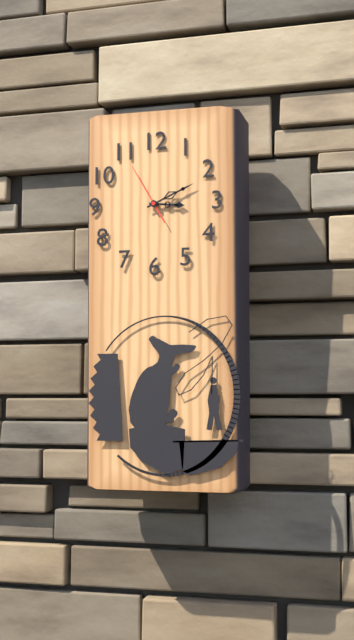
3:11:55
